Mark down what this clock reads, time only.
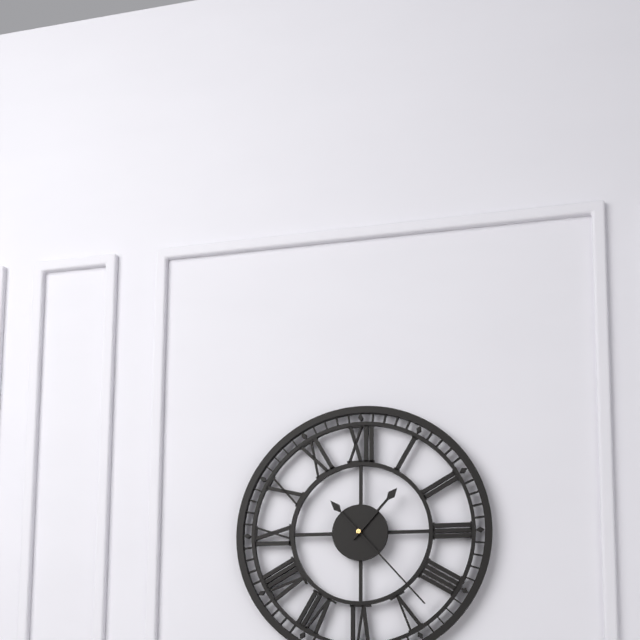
1:23
